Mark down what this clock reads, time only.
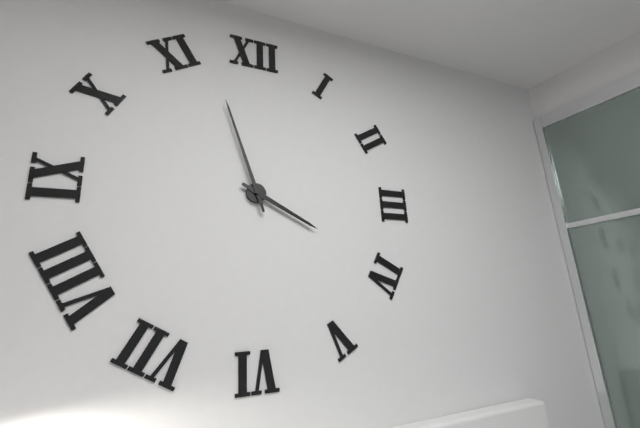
3:57
